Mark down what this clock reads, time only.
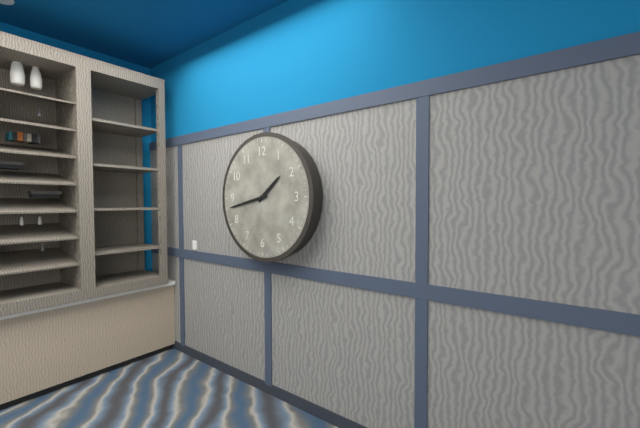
1:43
